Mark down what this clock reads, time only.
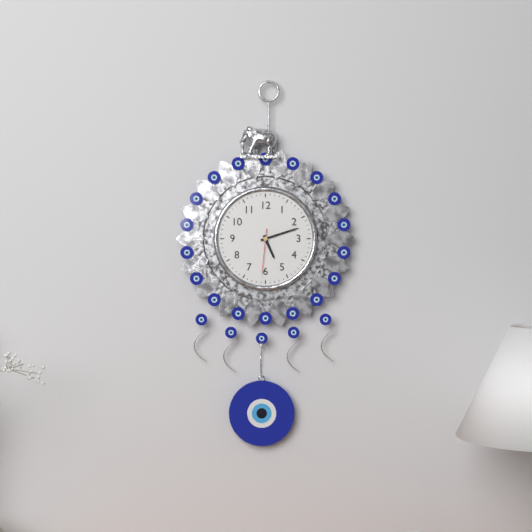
5:12
